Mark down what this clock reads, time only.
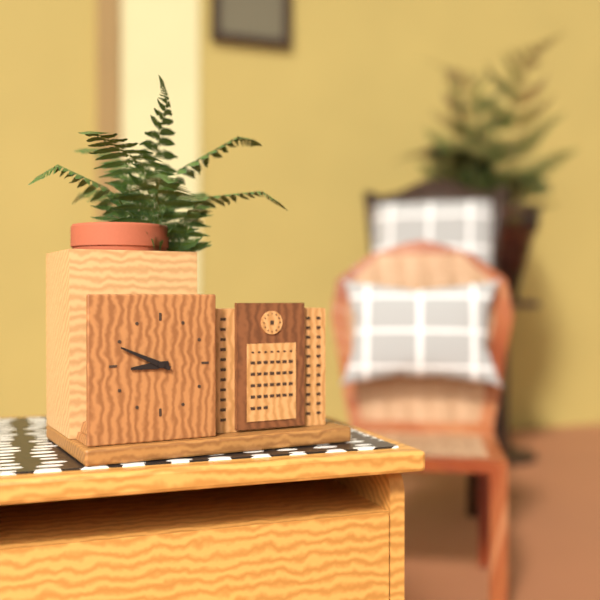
8:49
